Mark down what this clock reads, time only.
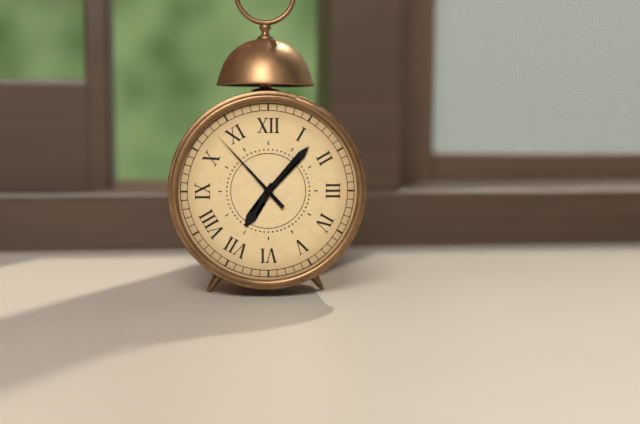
7:07:53
